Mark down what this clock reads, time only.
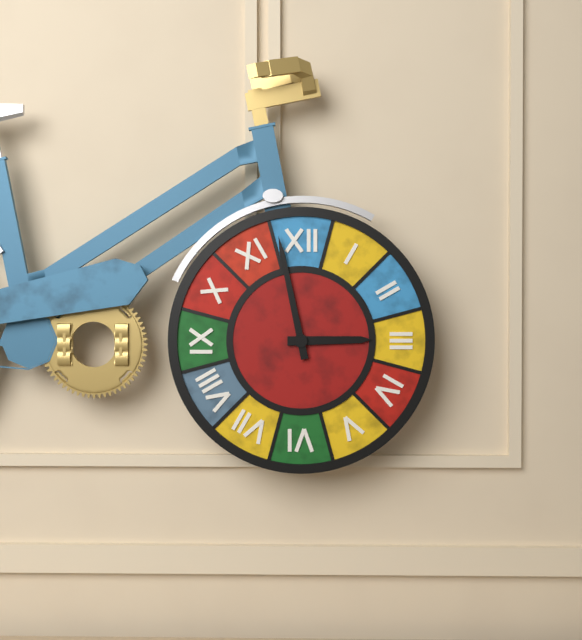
2:58
